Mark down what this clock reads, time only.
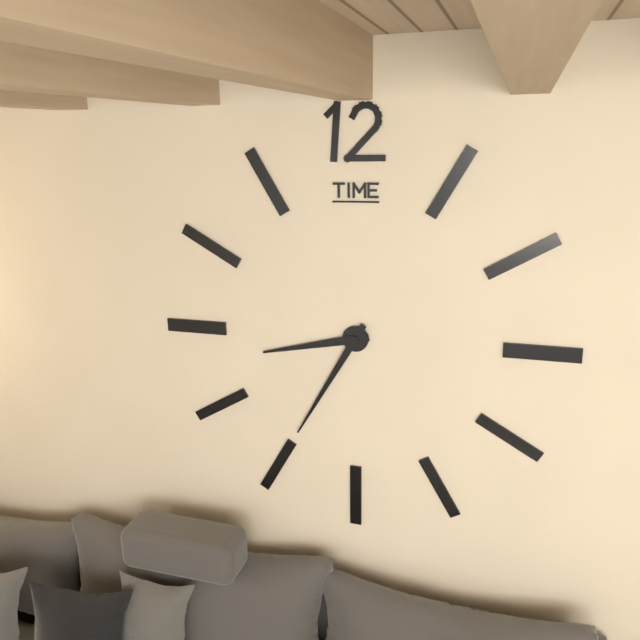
8:35
